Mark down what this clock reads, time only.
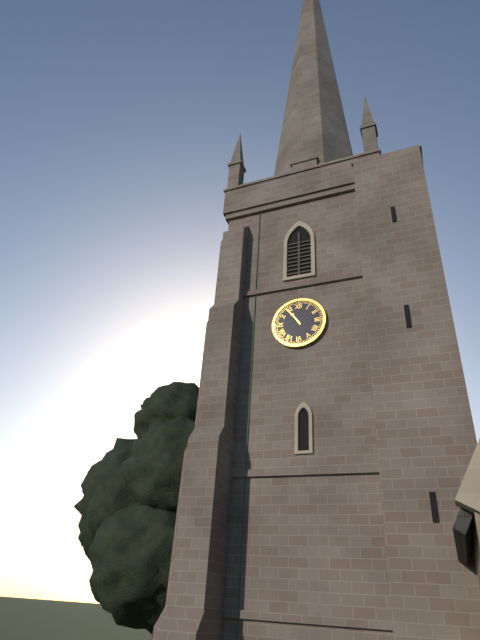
10:54
